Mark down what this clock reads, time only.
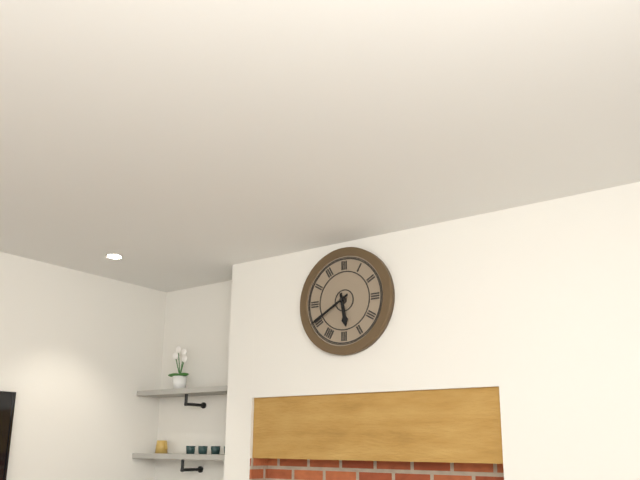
5:40
